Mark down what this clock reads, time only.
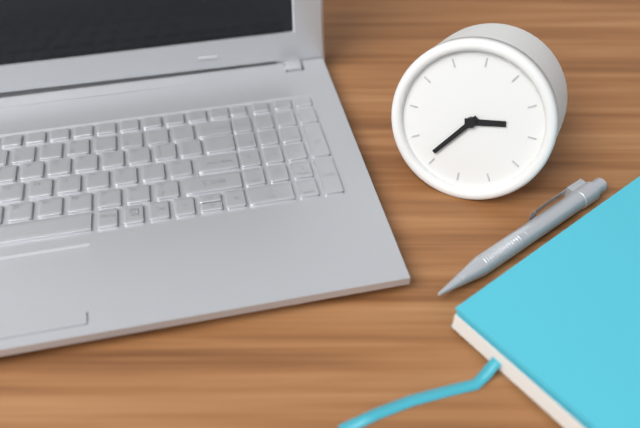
2:36
